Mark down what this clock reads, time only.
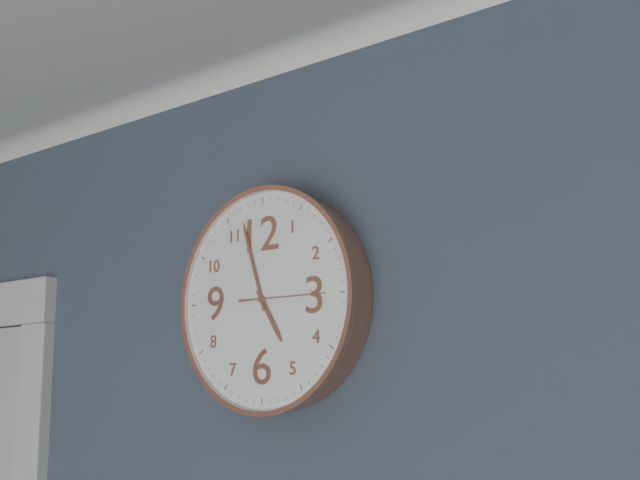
4:57:15
